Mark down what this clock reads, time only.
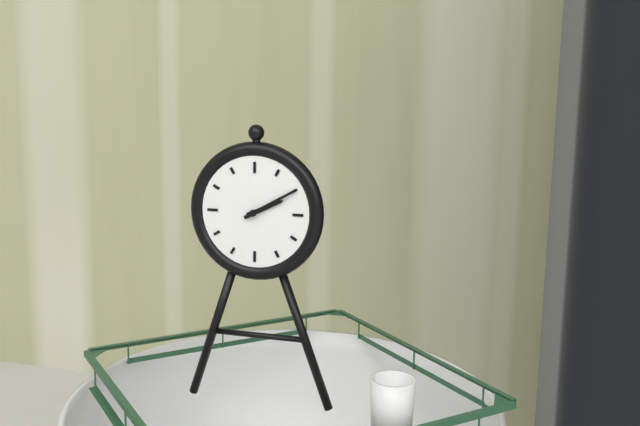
2:10
